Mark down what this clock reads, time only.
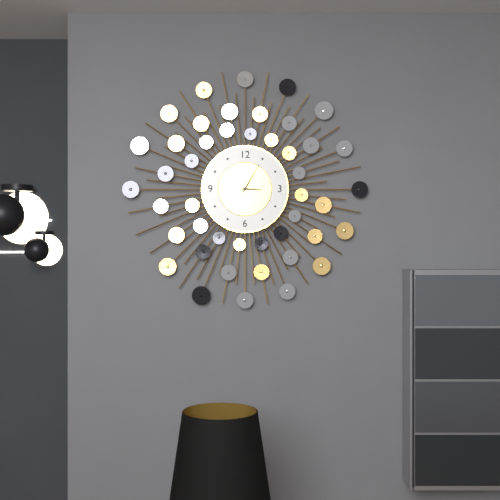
3:05
